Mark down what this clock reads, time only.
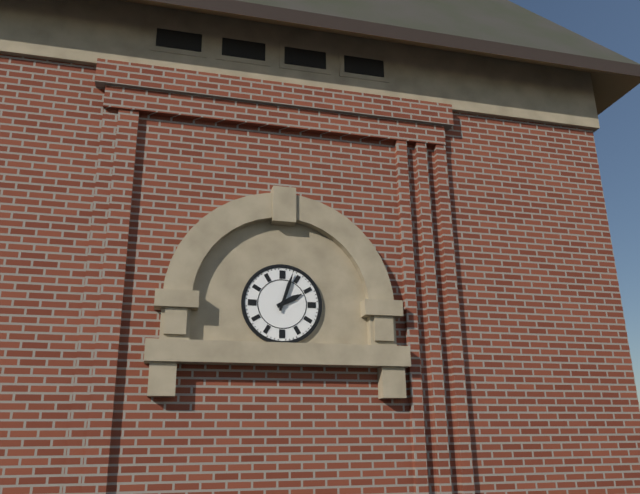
2:03
